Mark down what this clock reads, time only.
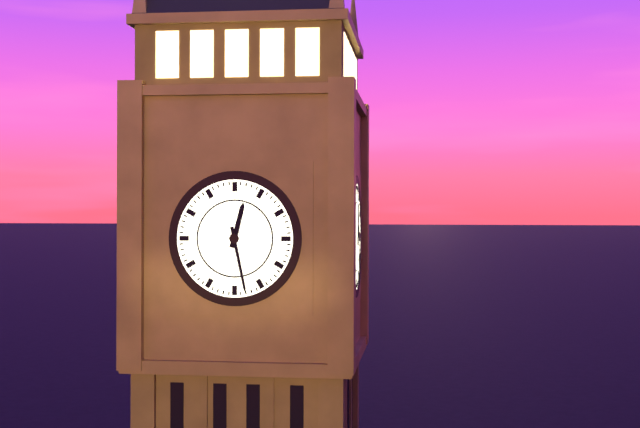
12:28
